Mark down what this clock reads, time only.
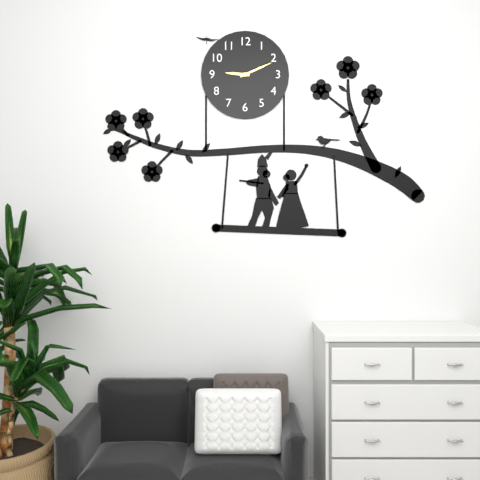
9:11
